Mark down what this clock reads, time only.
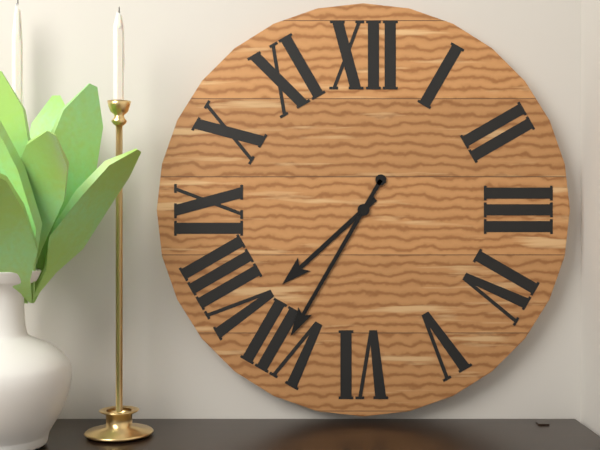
7:35
